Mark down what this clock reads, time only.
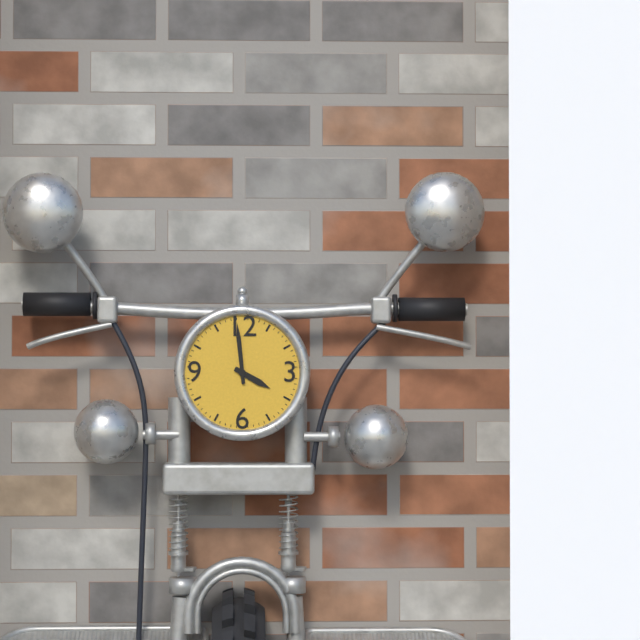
3:59
